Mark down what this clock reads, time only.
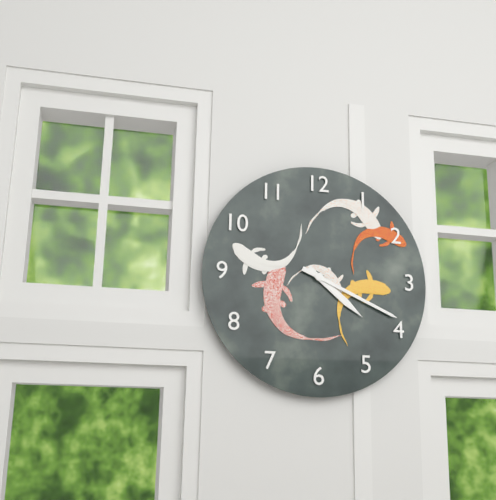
4:19
